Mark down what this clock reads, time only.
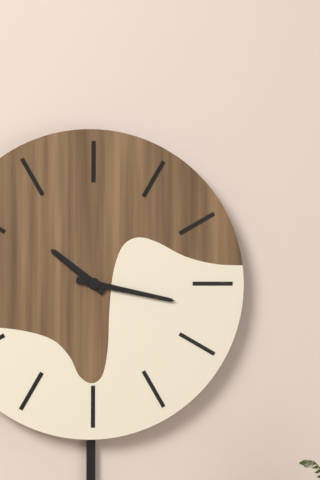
10:17
